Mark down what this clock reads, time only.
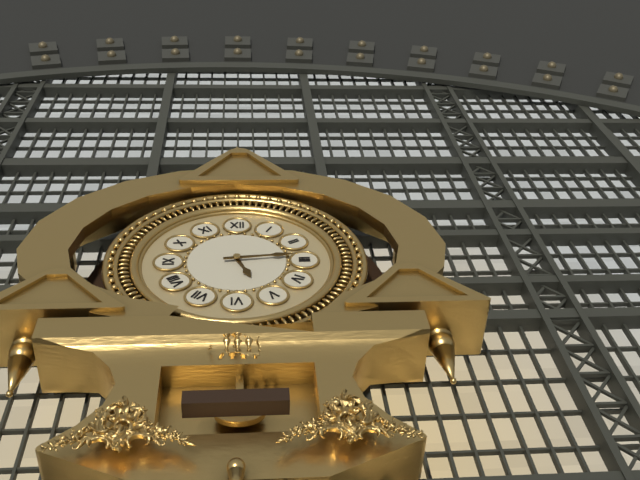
5:14
